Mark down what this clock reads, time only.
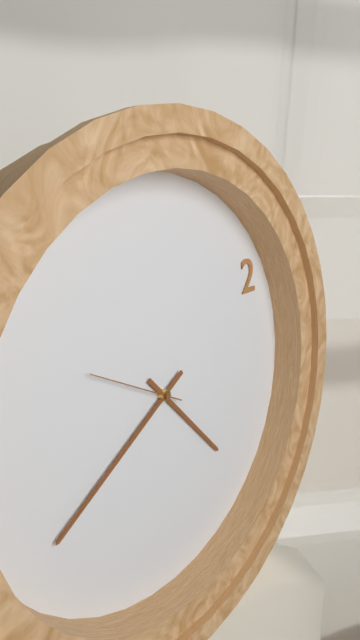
4:40:50
